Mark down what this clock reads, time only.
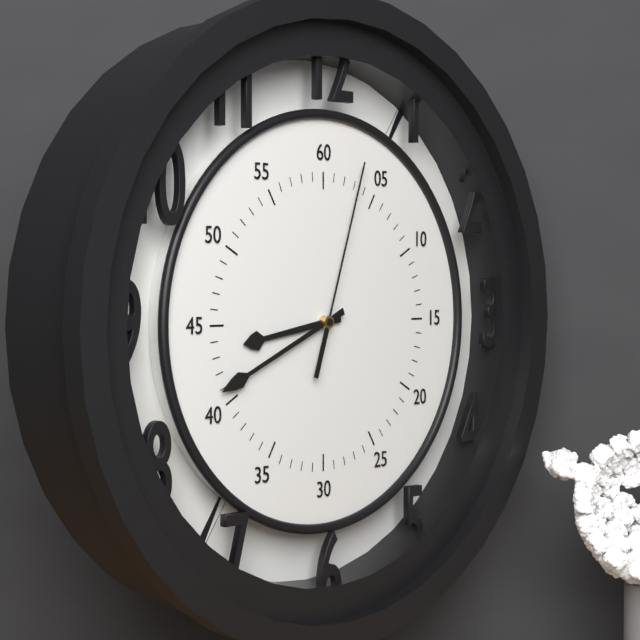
8:41:03
